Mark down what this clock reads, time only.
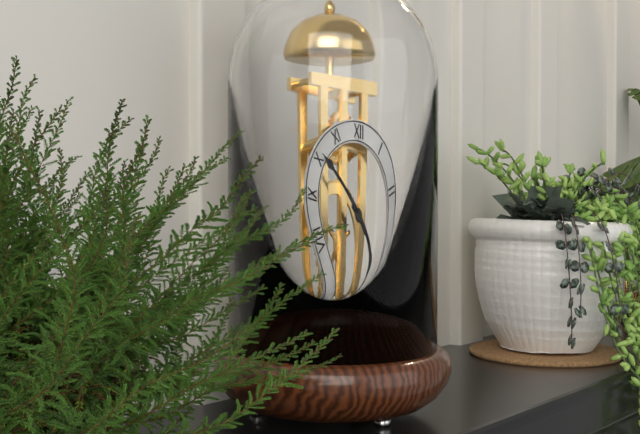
3:51
